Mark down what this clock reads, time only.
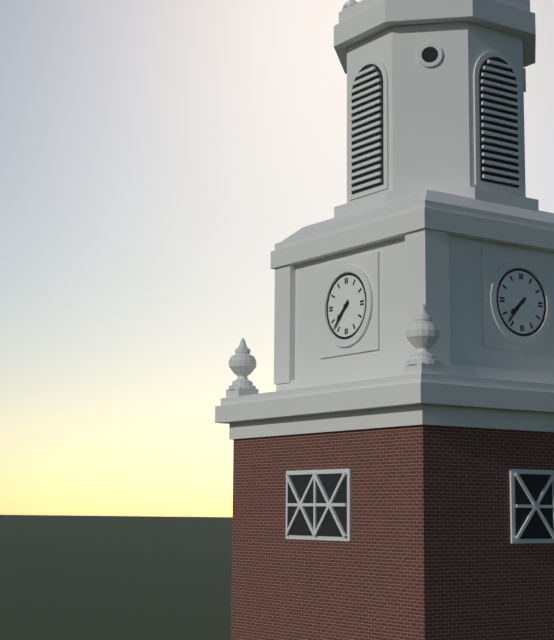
7:37
